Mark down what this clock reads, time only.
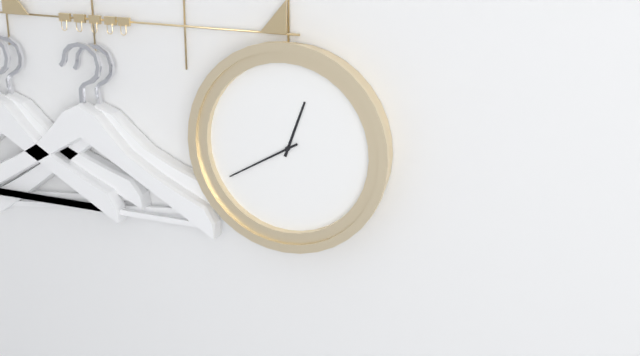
12:40
